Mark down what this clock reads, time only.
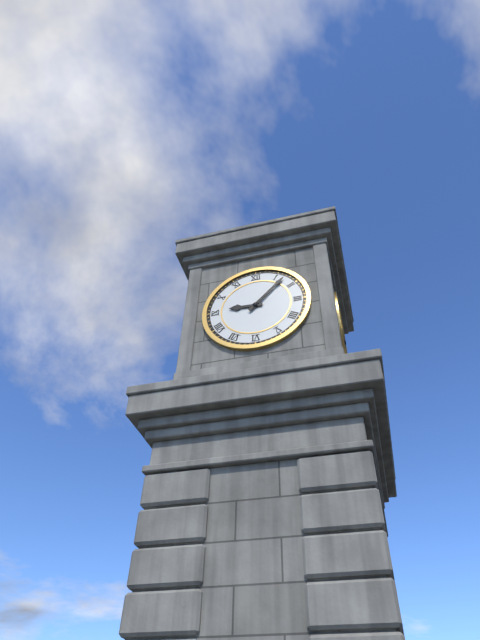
9:07
